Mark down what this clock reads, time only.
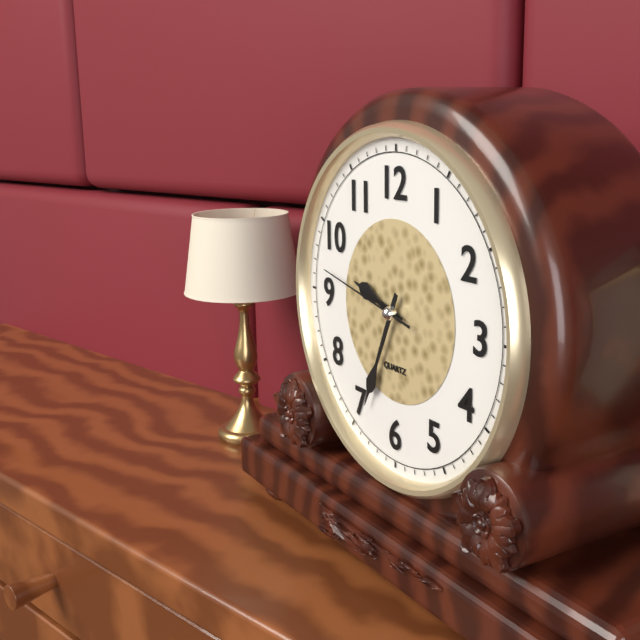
9:34:47
